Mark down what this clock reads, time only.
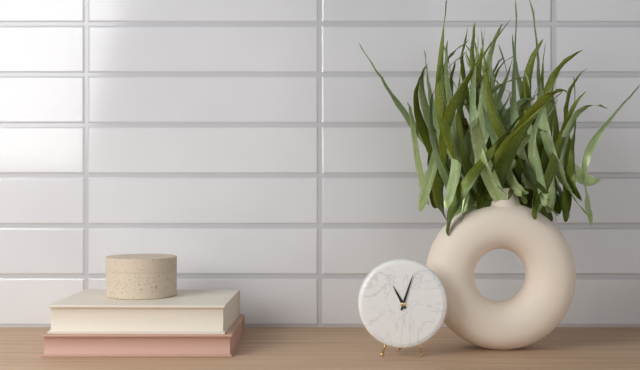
11:03
